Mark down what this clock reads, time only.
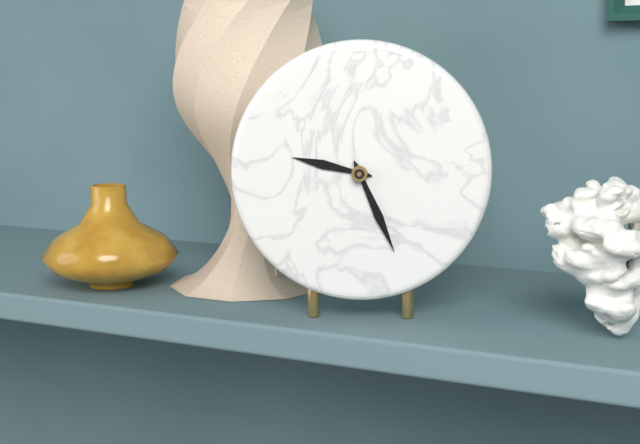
9:26
